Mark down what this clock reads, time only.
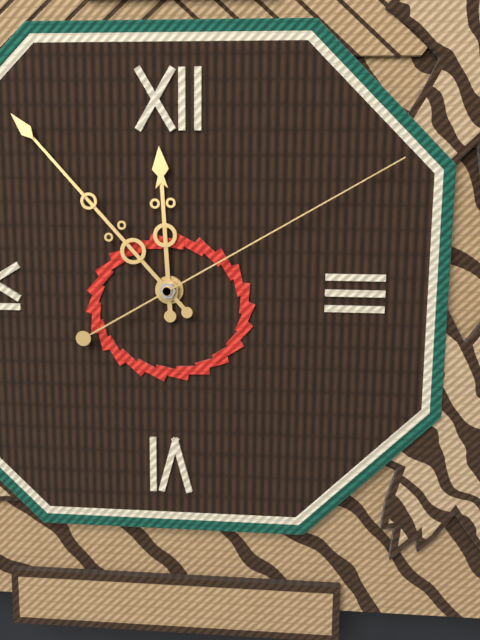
11:53:10
